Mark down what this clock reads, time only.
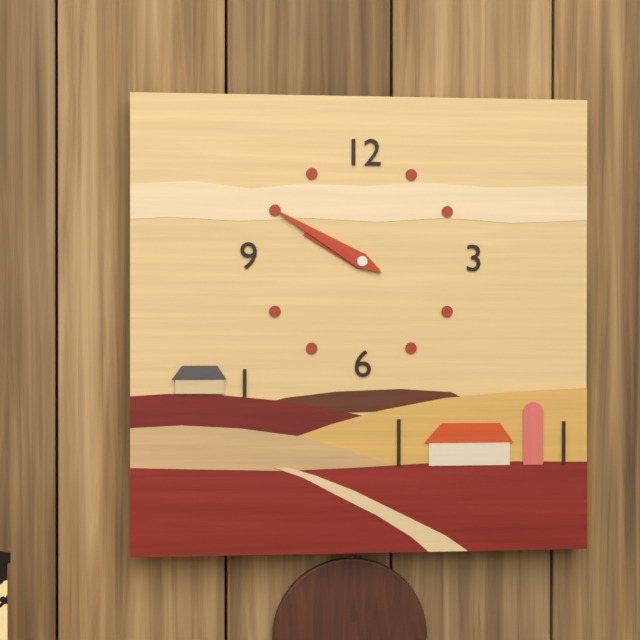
9:50
